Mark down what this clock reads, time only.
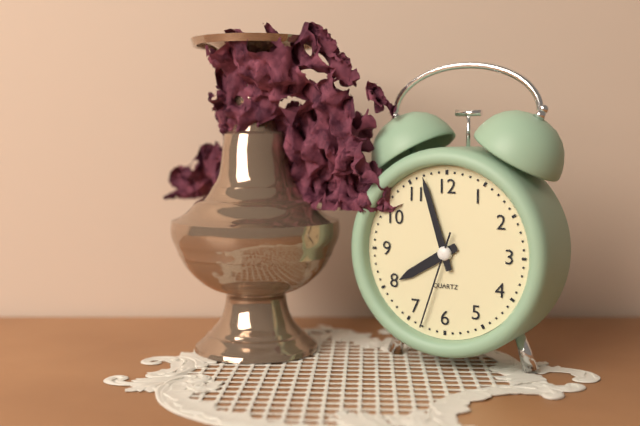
7:57:33
